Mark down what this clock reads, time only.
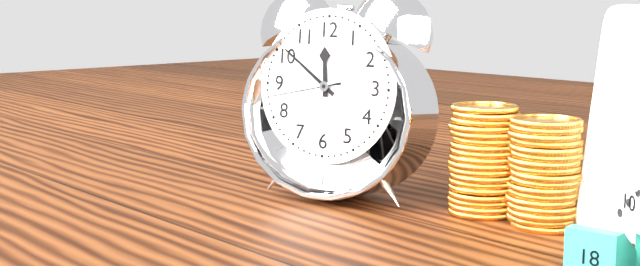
11:51:43
